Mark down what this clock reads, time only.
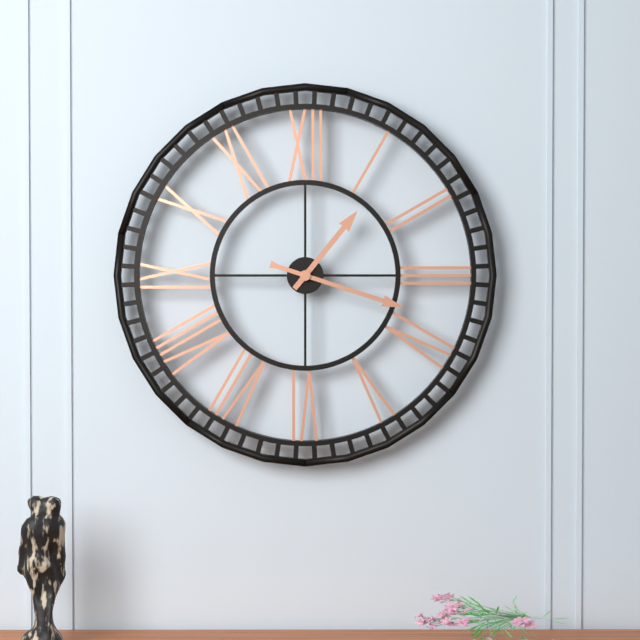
1:18
